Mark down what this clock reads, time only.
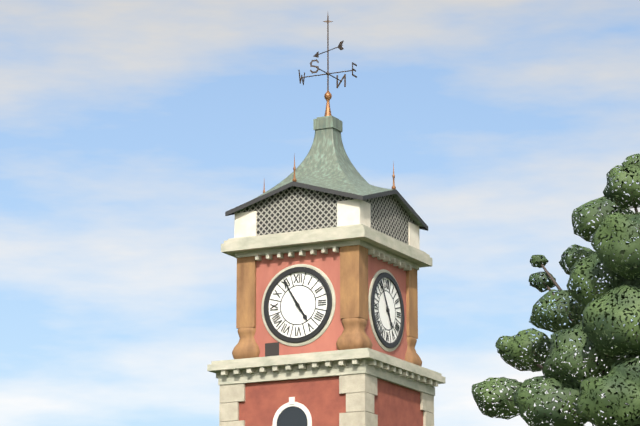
4:55
